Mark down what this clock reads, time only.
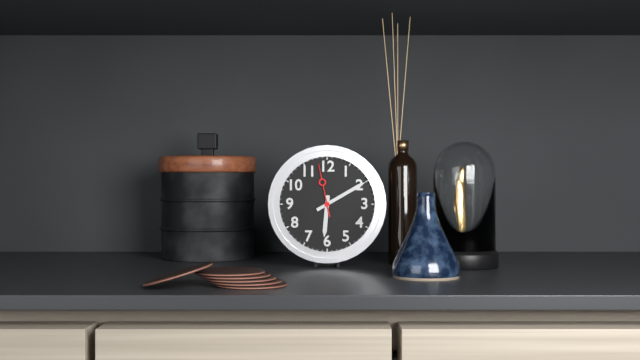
6:10:58
